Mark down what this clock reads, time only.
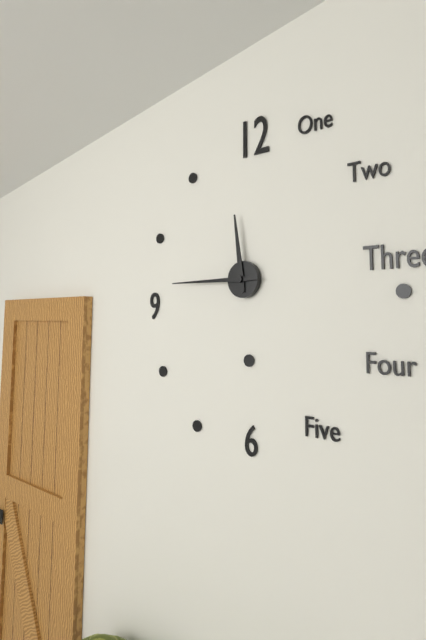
11:45
